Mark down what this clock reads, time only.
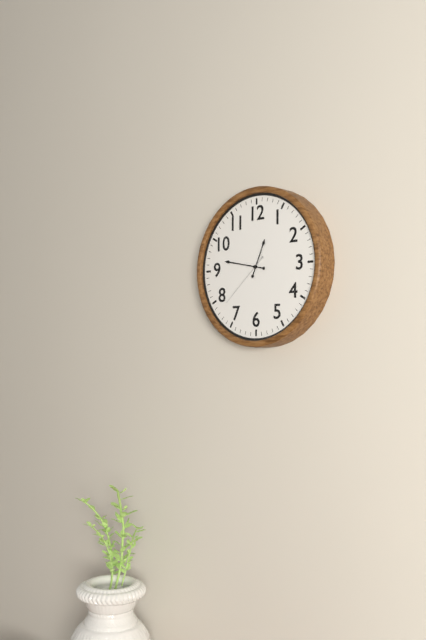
12:47:38
